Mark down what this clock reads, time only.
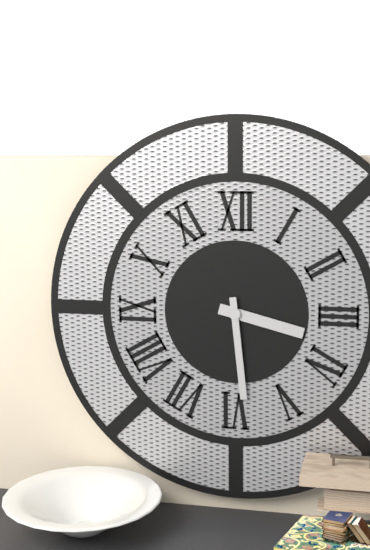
3:29
